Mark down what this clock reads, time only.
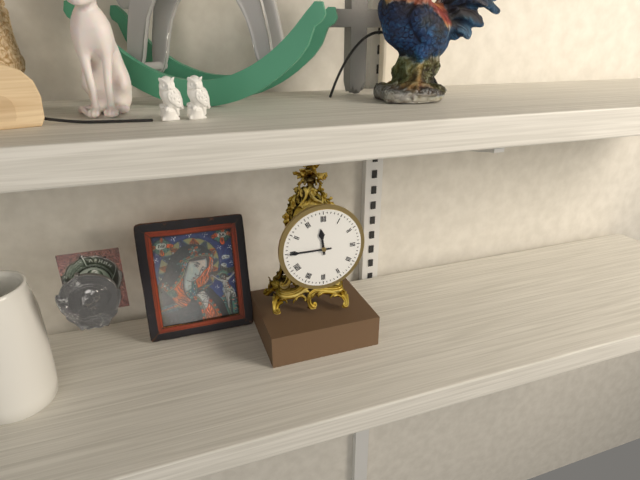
11:45
